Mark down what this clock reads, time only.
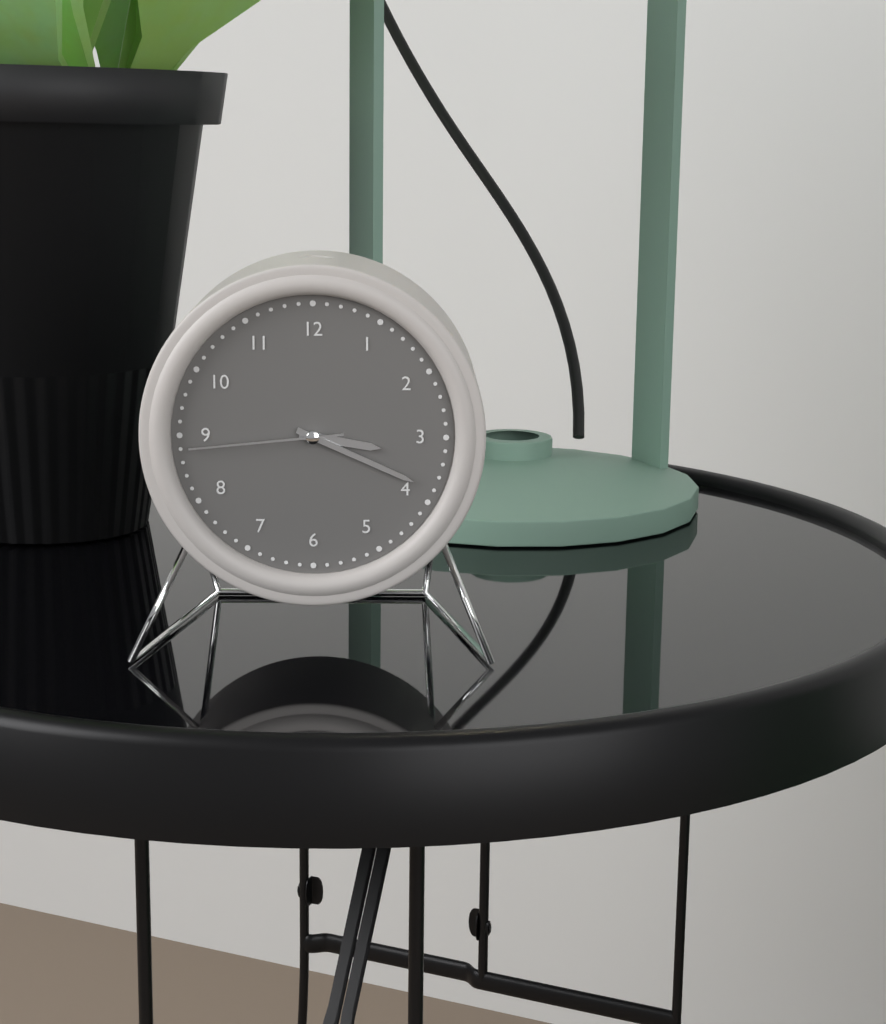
3:19:44
